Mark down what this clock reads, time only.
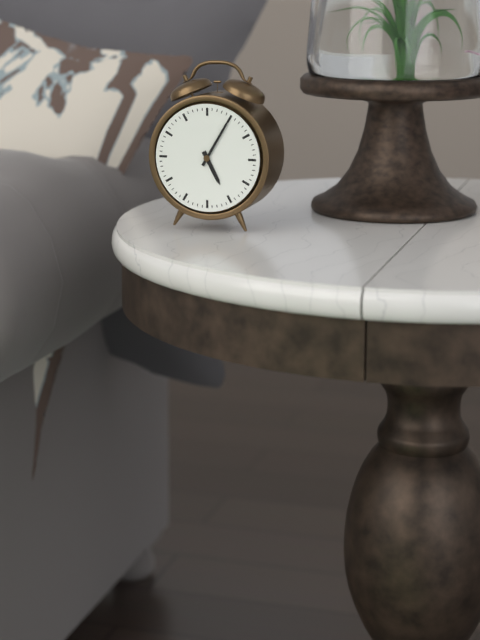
5:05
